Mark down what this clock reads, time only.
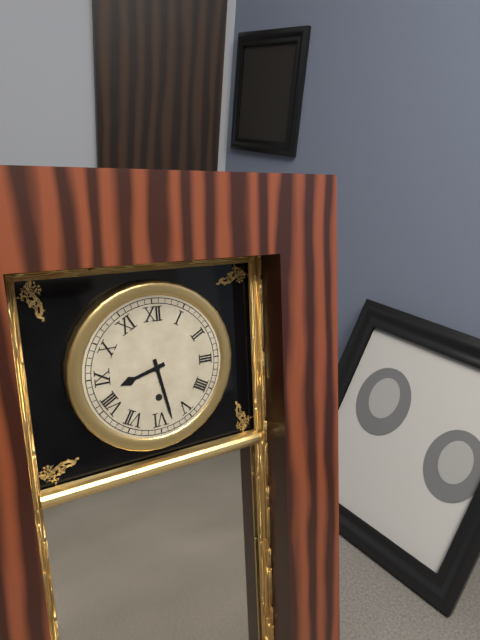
8:28
